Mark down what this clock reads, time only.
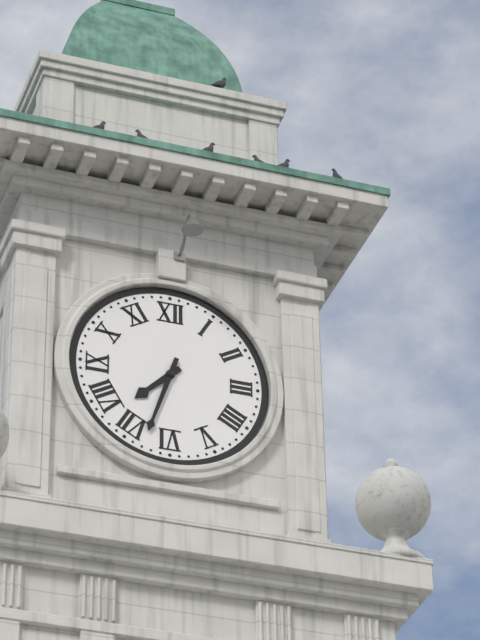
7:33
